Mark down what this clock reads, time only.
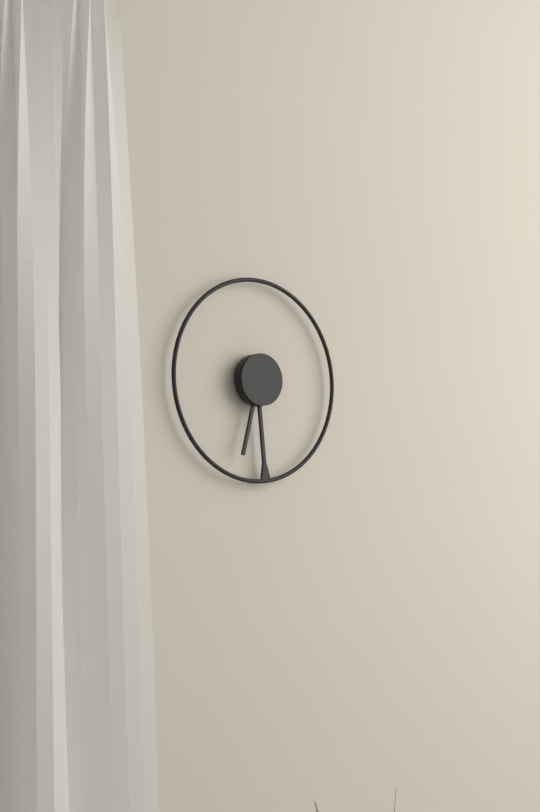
6:29
